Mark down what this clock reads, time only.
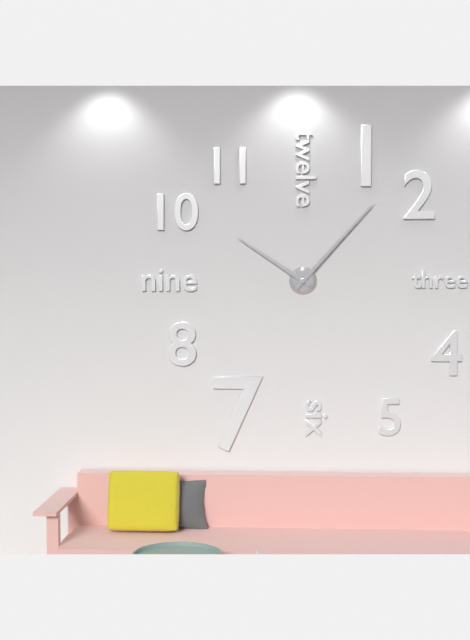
10:07
